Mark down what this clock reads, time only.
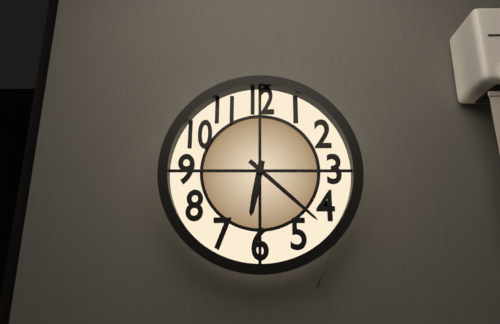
6:22
